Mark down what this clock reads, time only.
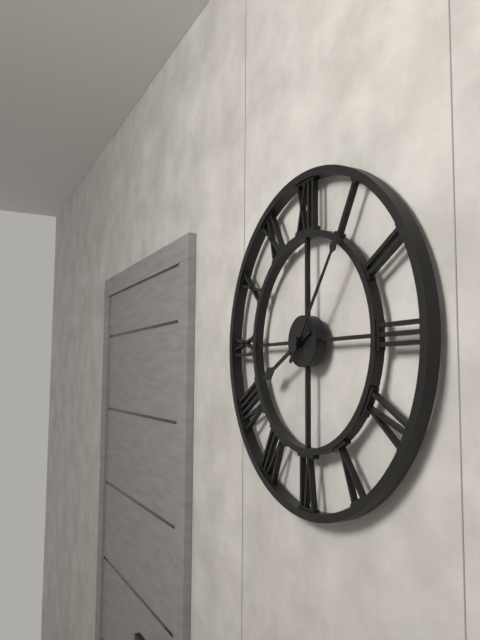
8:06
